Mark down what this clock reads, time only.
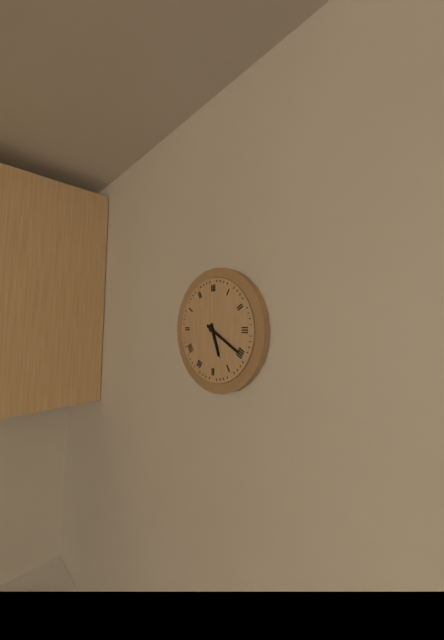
5:20
